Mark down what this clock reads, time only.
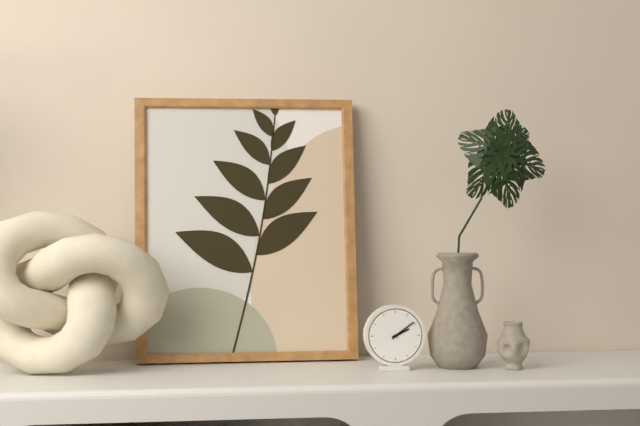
2:09
